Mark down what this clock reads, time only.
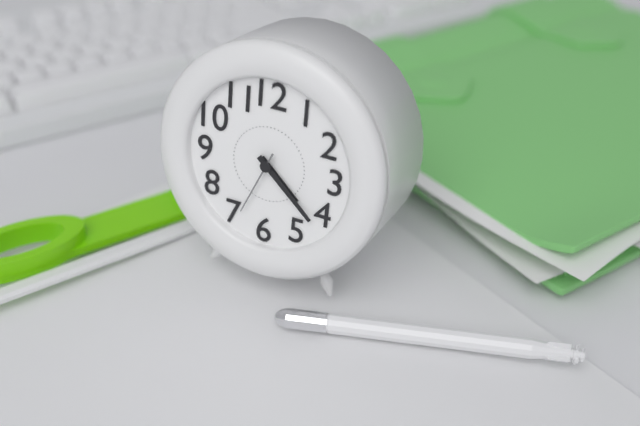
4:22:34
